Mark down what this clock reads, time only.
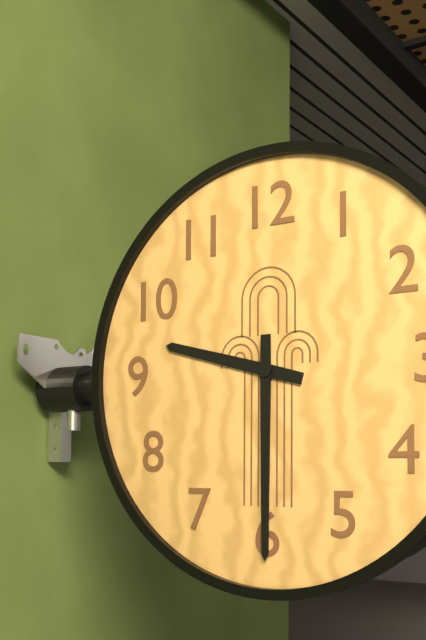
9:30
